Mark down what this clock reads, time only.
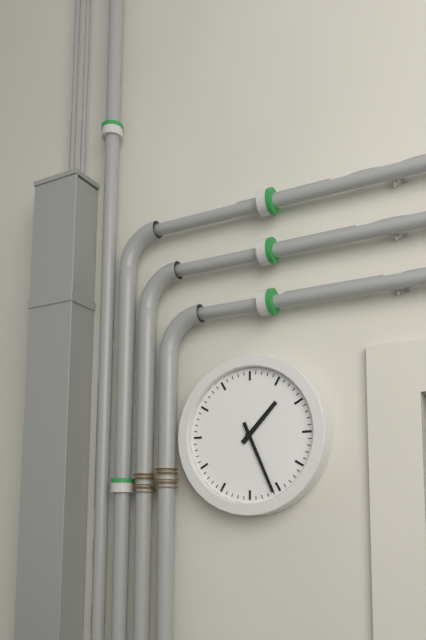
1:26
